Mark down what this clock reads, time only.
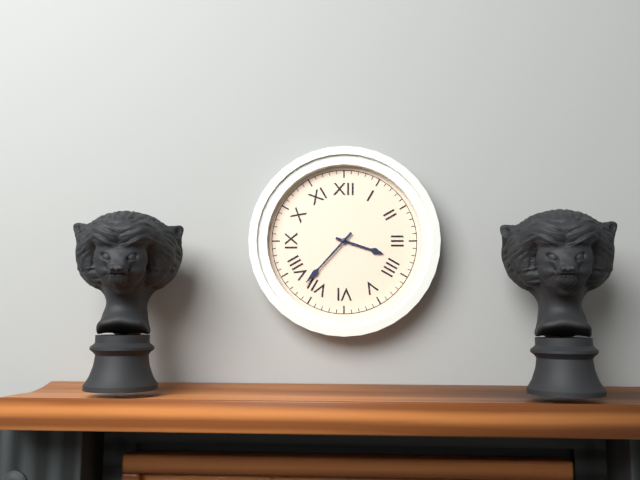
3:37
